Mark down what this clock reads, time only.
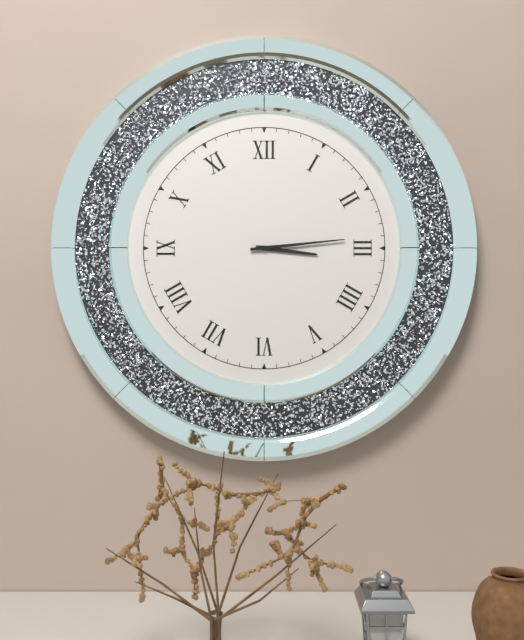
3:14
